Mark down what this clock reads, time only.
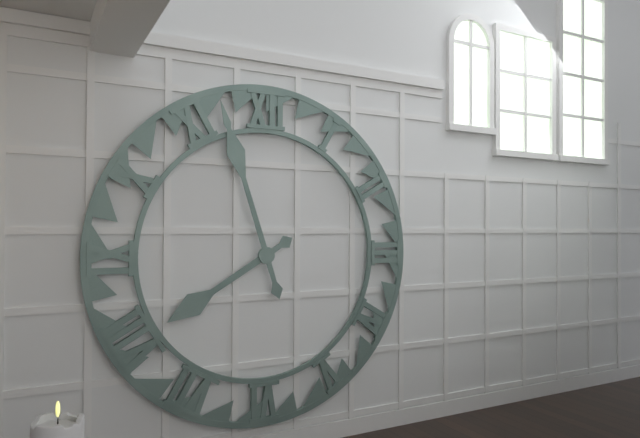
7:57
